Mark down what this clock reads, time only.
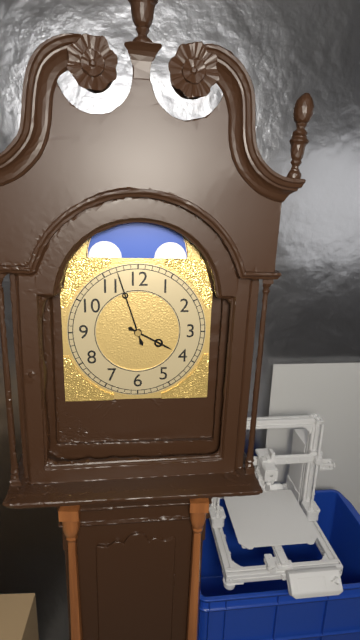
3:57
